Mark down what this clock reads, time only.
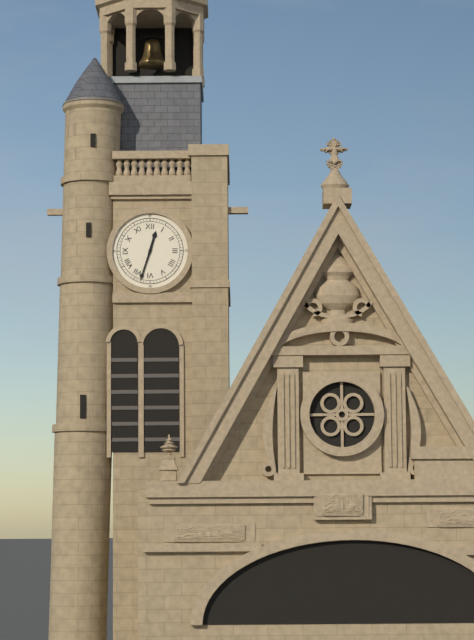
12:33
